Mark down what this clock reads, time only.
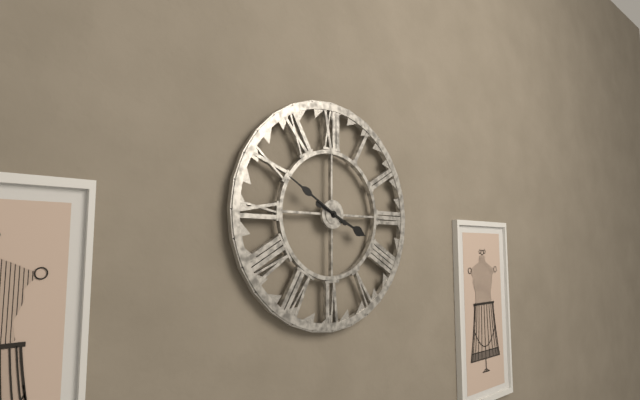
3:50
